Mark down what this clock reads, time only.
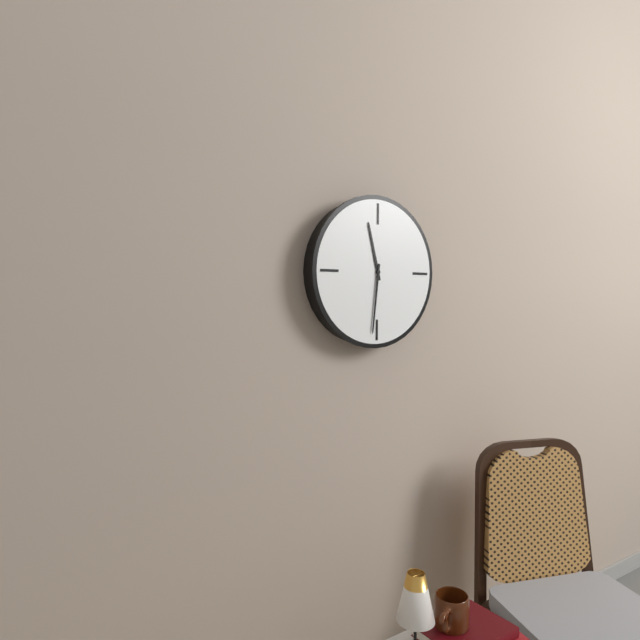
11:31
